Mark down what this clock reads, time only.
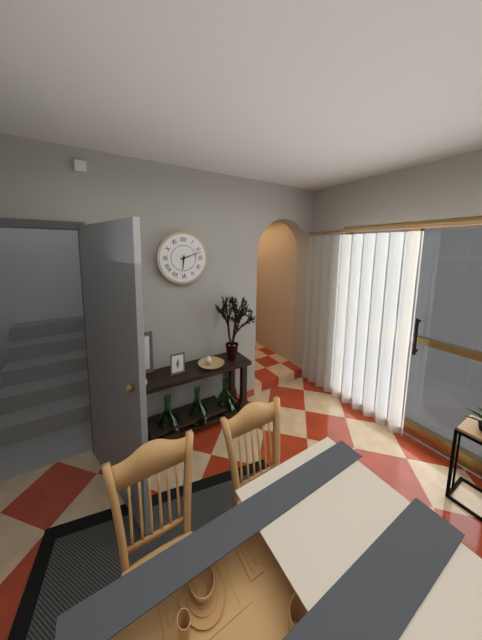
6:12
